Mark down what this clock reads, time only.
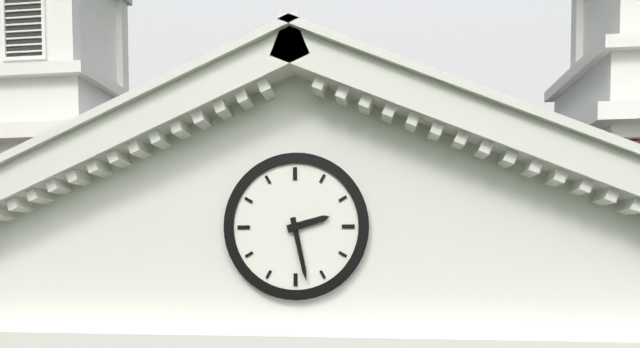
2:28
